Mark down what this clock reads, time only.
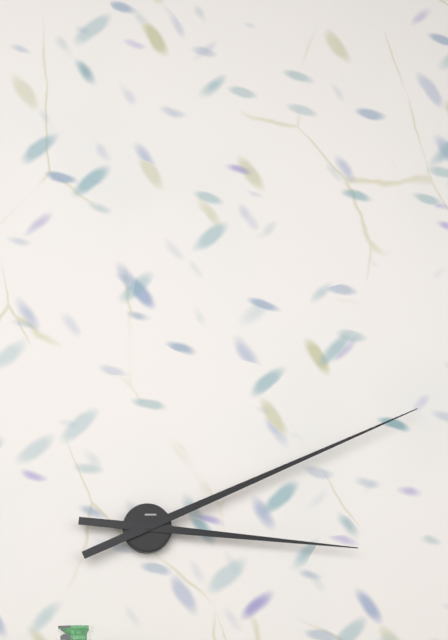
3:11
